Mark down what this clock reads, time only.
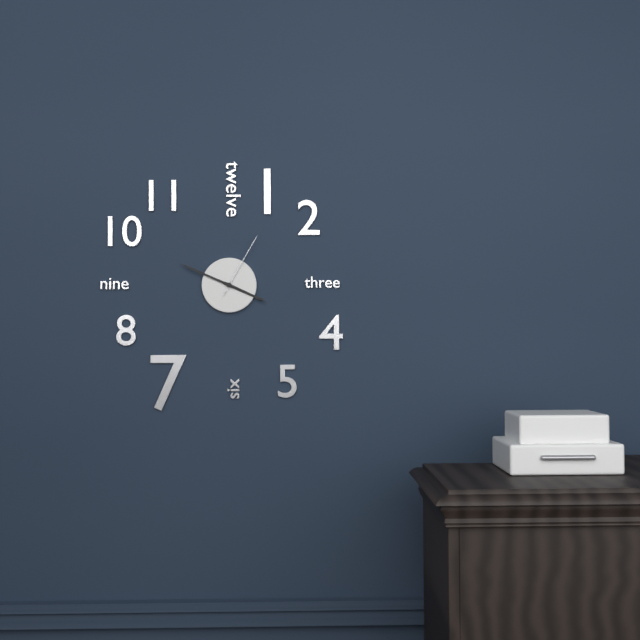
3:49:05
